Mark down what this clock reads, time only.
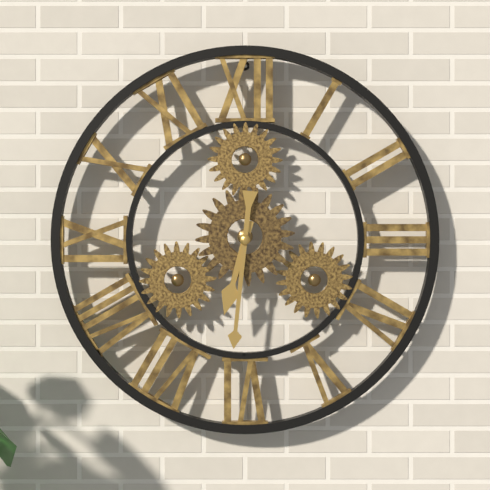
6:31
